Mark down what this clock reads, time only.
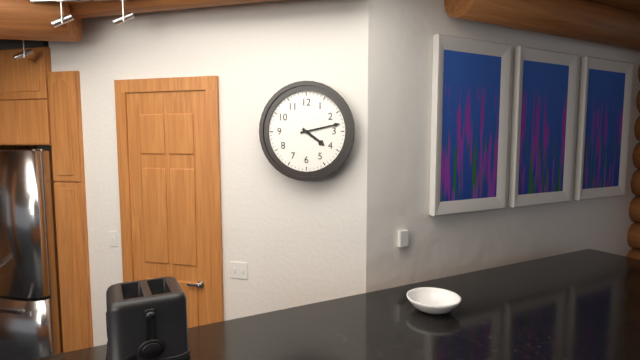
4:13
